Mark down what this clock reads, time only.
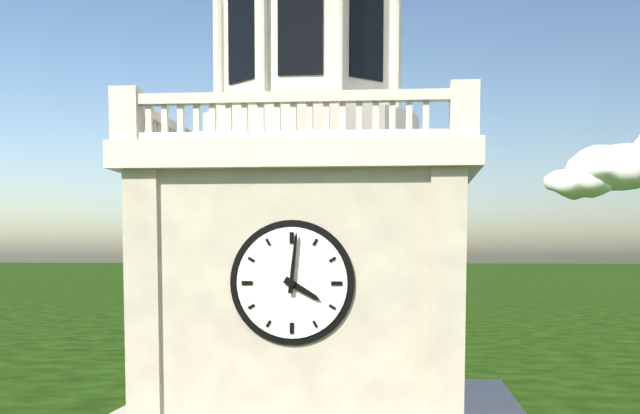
4:01
